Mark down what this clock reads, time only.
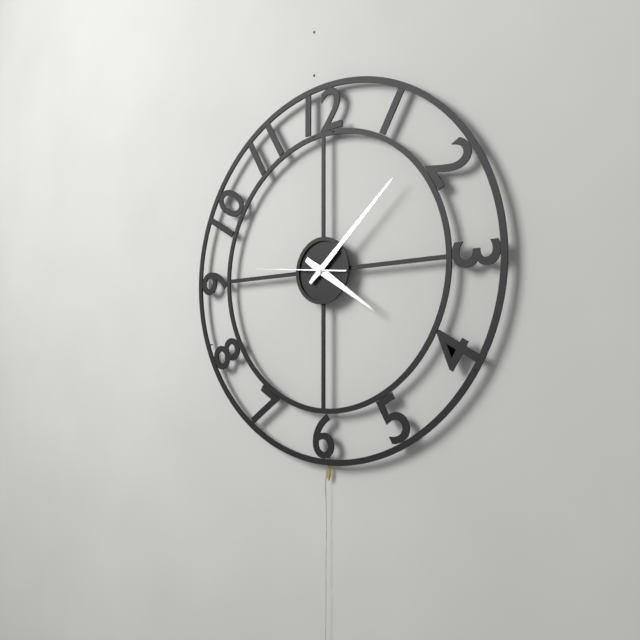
4:08:46
